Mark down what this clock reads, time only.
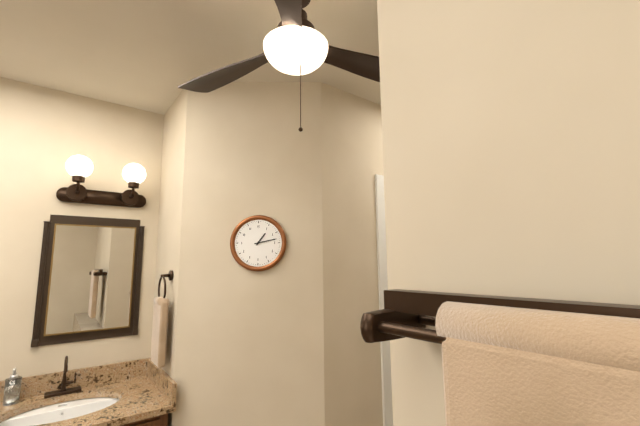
1:13
